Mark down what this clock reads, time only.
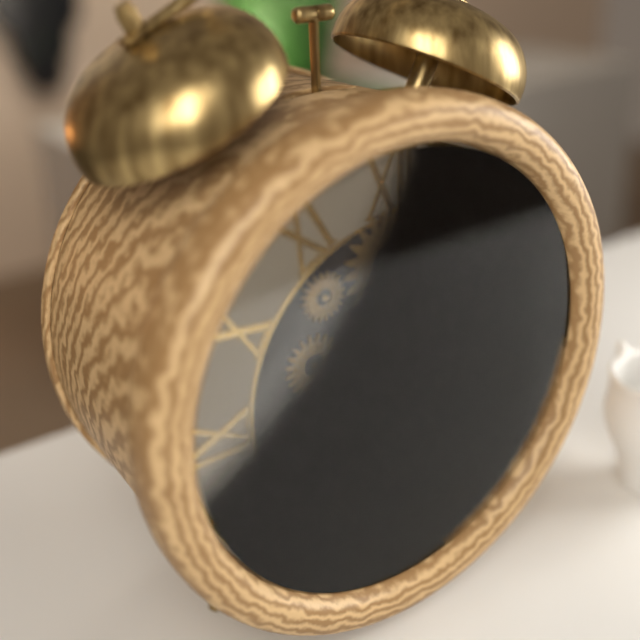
6:26
